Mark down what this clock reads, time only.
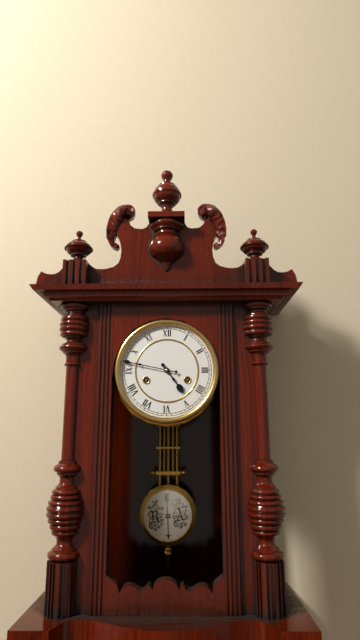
4:47
